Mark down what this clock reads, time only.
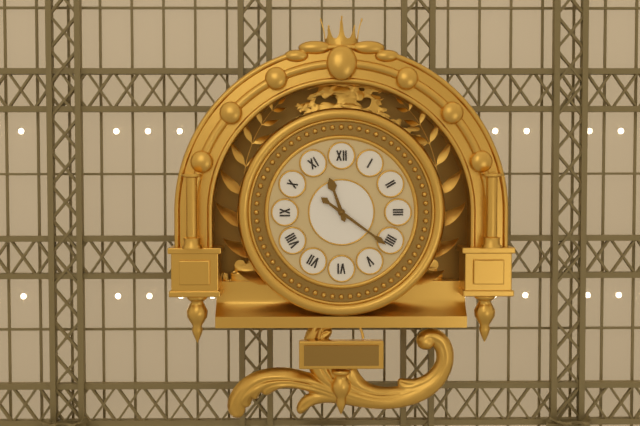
11:21
